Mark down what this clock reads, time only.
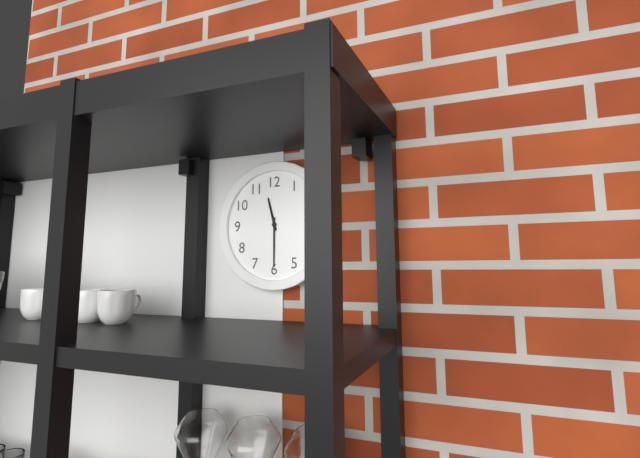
11:30
